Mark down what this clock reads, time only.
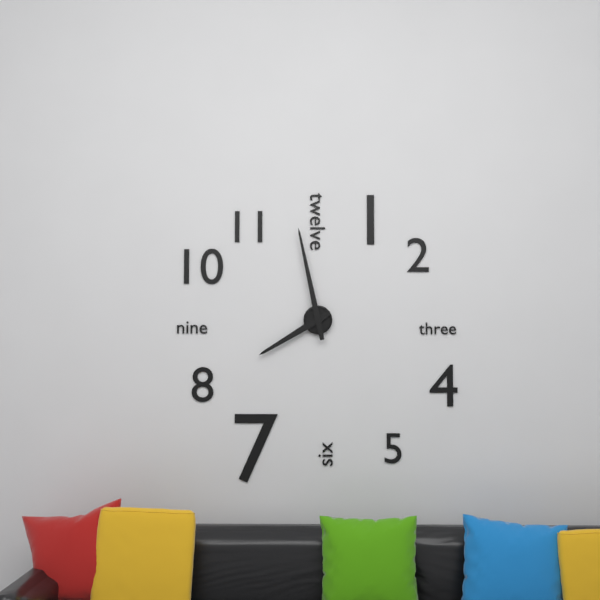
7:58
